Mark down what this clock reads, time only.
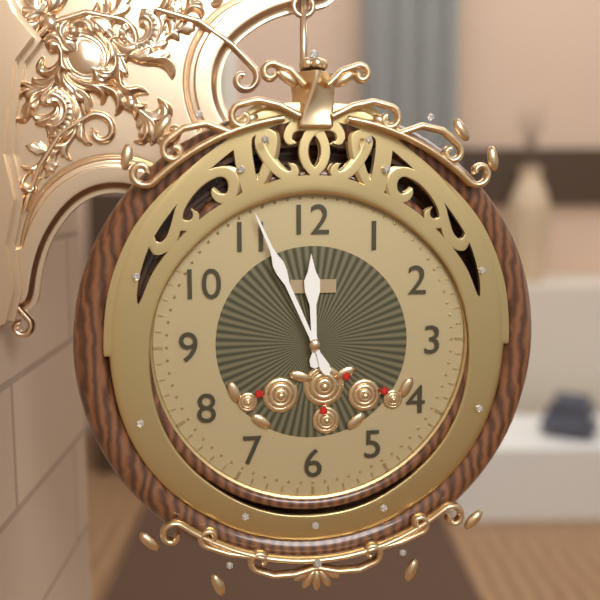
11:56
